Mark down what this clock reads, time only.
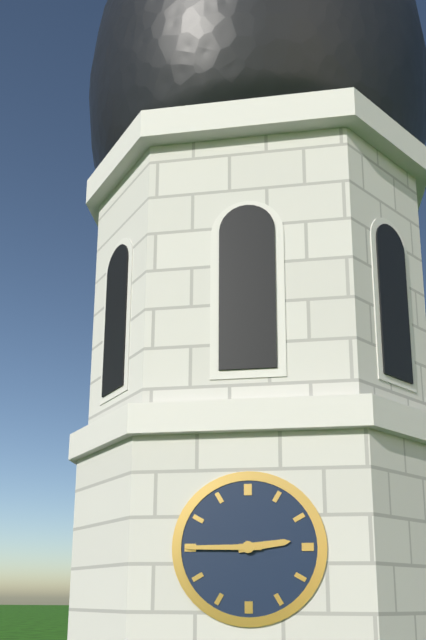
2:45
